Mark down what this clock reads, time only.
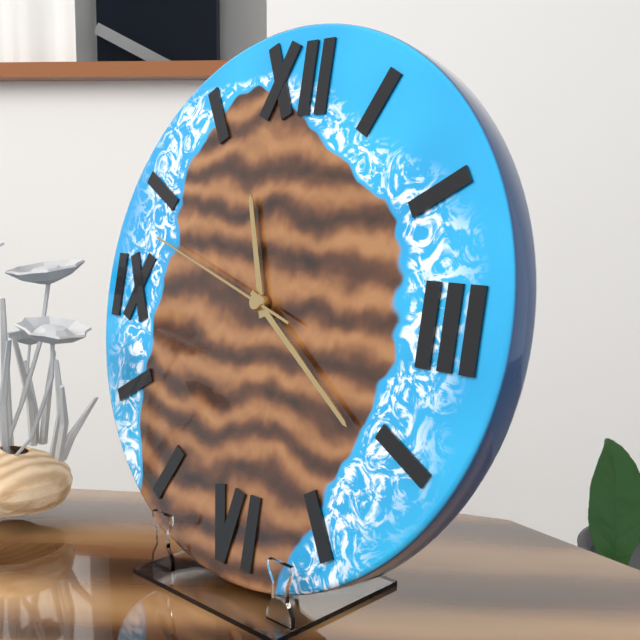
11:21:48
